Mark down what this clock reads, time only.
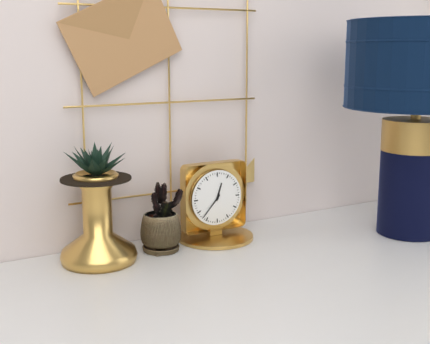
12:37
